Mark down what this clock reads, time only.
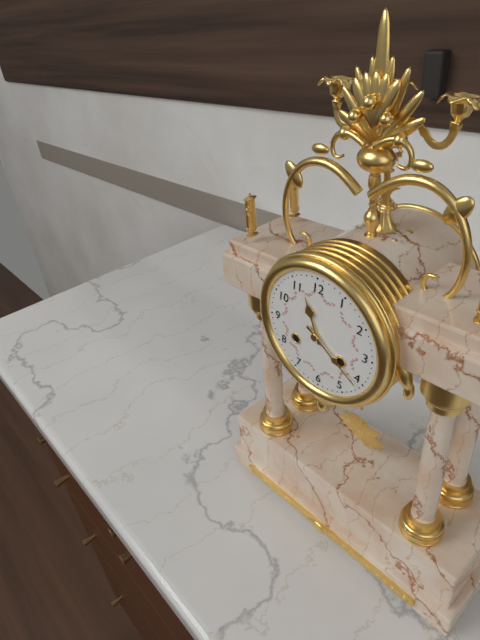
11:21
